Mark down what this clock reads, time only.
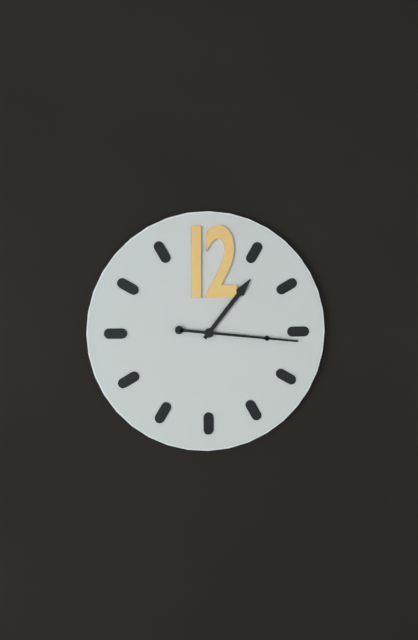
1:16
